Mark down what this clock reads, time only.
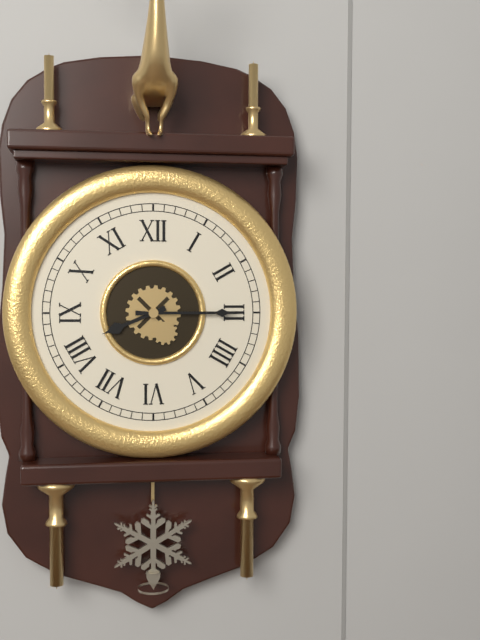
8:15
